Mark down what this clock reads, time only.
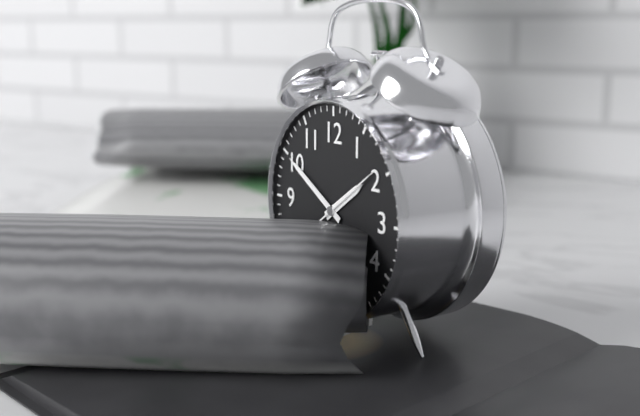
1:50:09
